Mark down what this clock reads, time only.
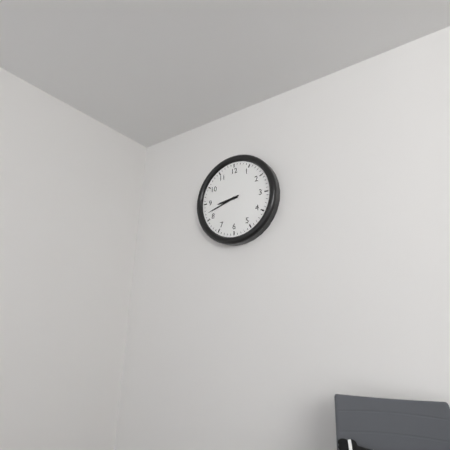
8:42
